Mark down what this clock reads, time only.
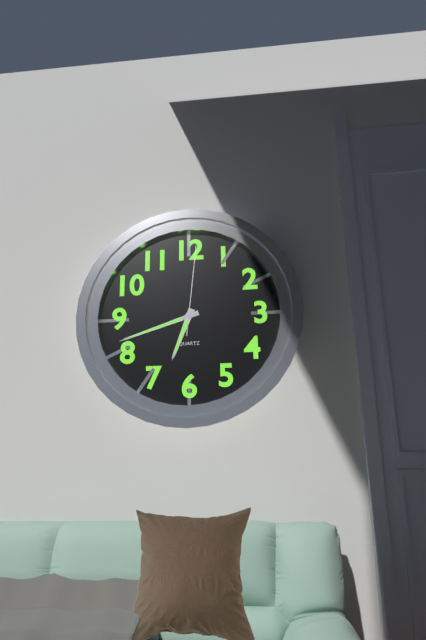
6:42:01
